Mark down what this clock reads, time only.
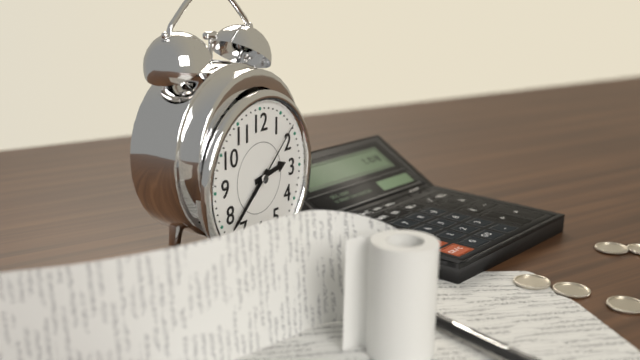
2:38:08
